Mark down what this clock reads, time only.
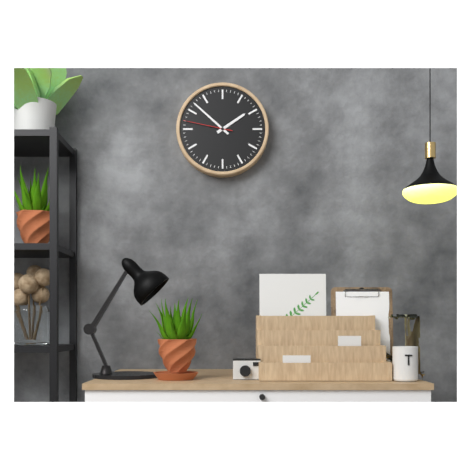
1:52:47
